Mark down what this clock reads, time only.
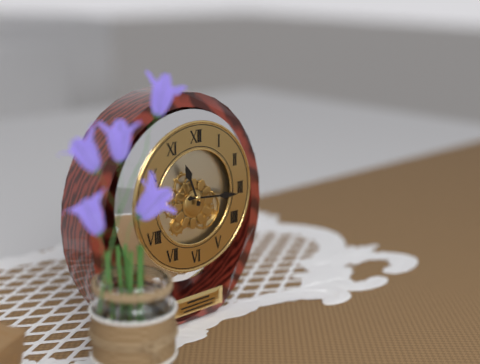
11:16
